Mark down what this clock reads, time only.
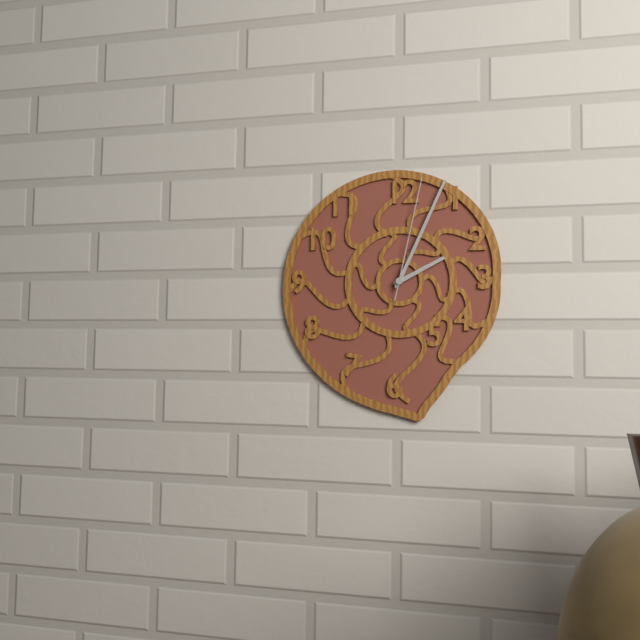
2:04:02
